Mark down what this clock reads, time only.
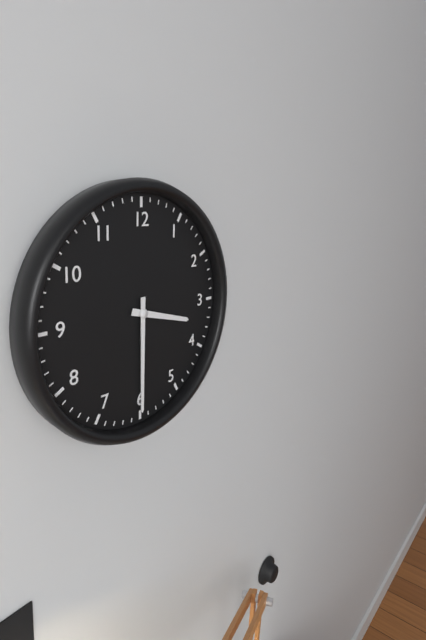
3:30
